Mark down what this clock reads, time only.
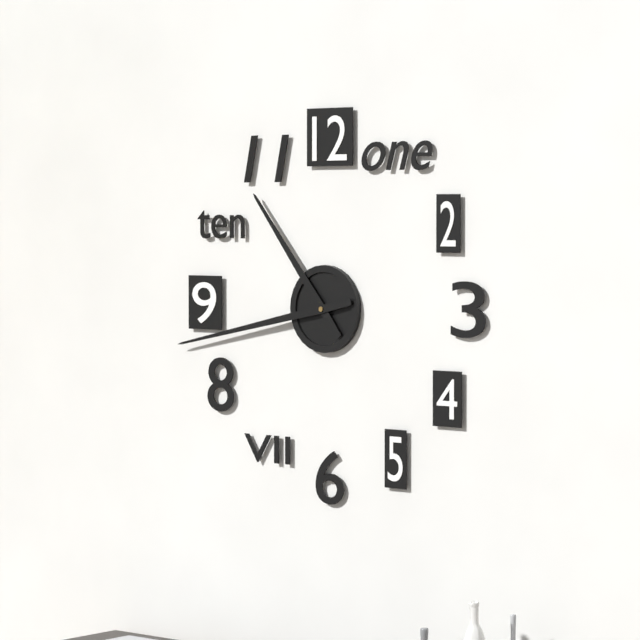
10:43
